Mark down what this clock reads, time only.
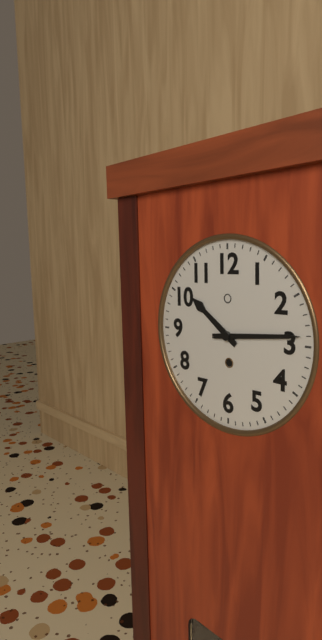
10:14
